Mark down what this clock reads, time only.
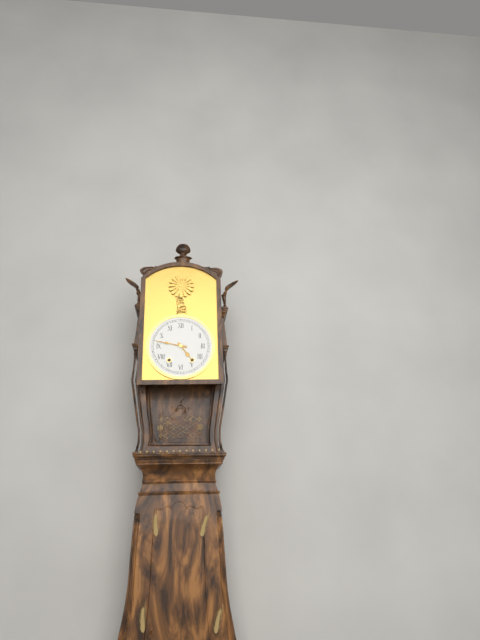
4:47
